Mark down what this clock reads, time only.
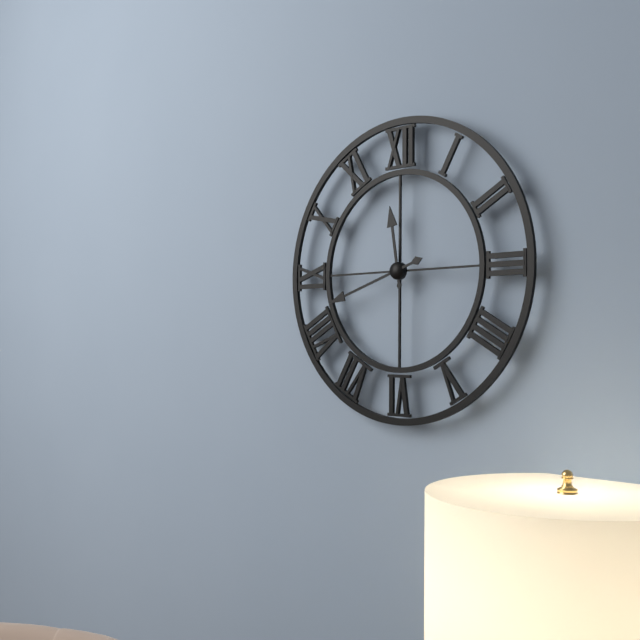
11:42
